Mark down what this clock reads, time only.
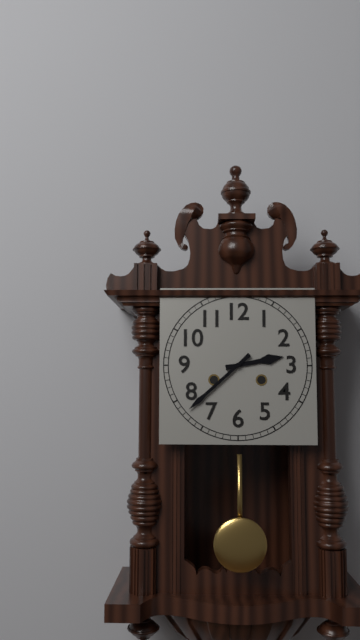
2:38
